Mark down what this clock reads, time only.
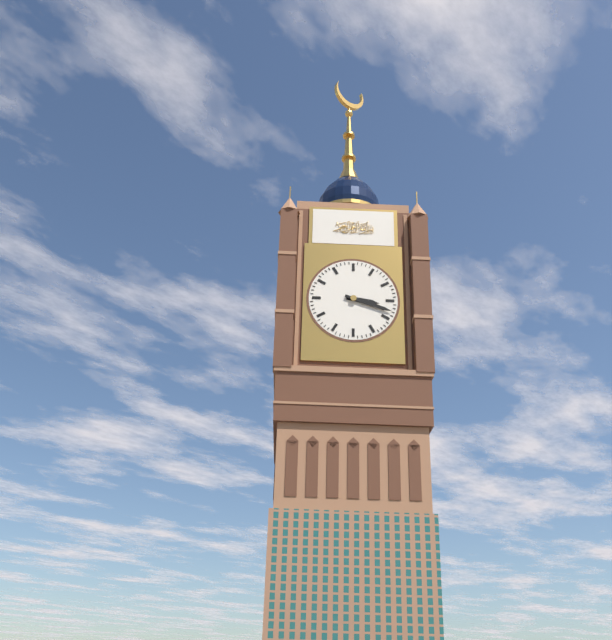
3:18
